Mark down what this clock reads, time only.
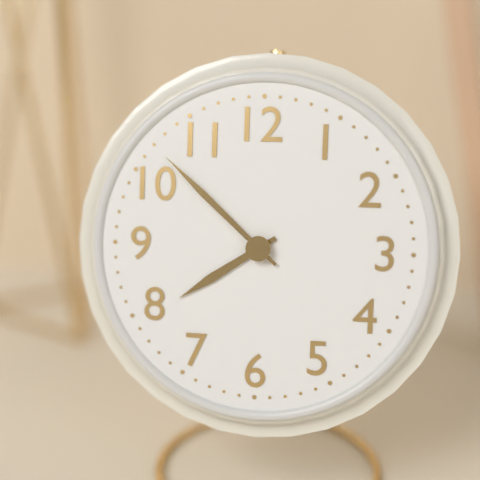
7:52
